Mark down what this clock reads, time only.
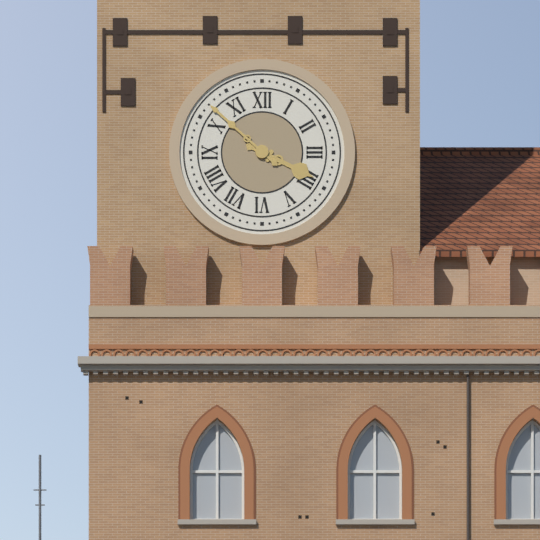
3:52
